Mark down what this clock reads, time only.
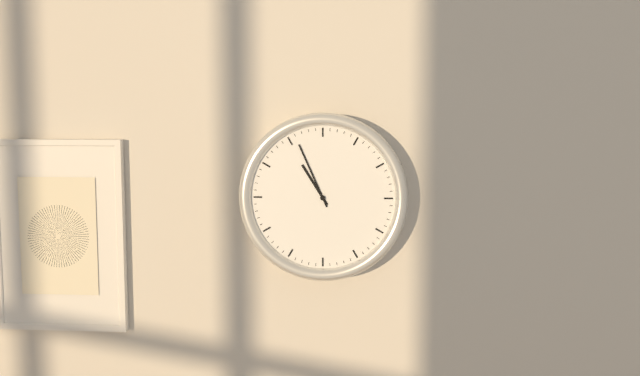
10:56
